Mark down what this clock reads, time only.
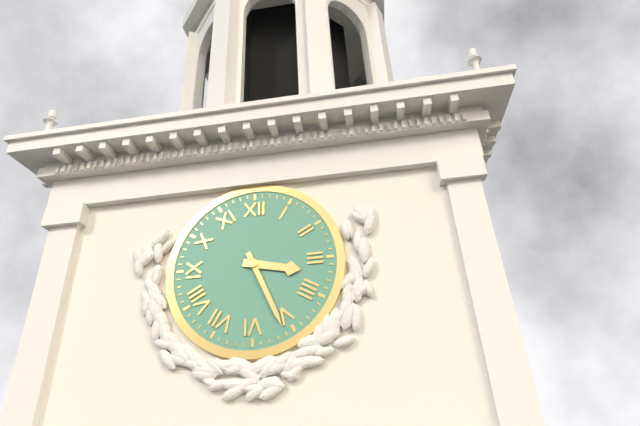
3:26
